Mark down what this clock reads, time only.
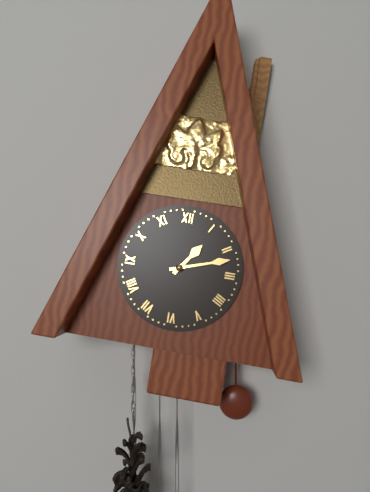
1:12
